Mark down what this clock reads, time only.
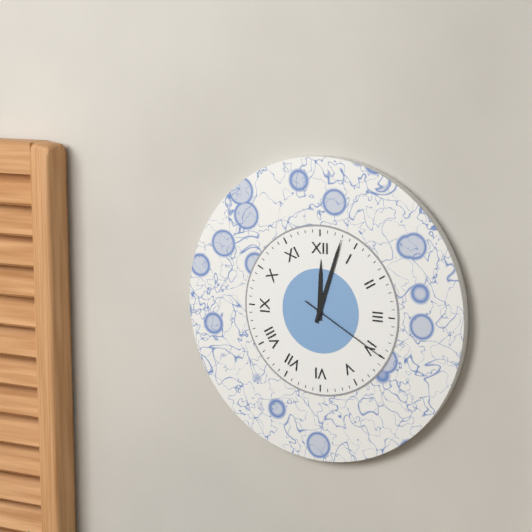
12:03:20
